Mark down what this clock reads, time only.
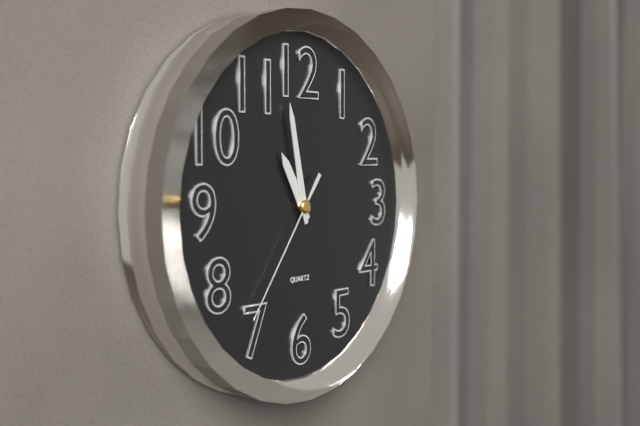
10:58:36
